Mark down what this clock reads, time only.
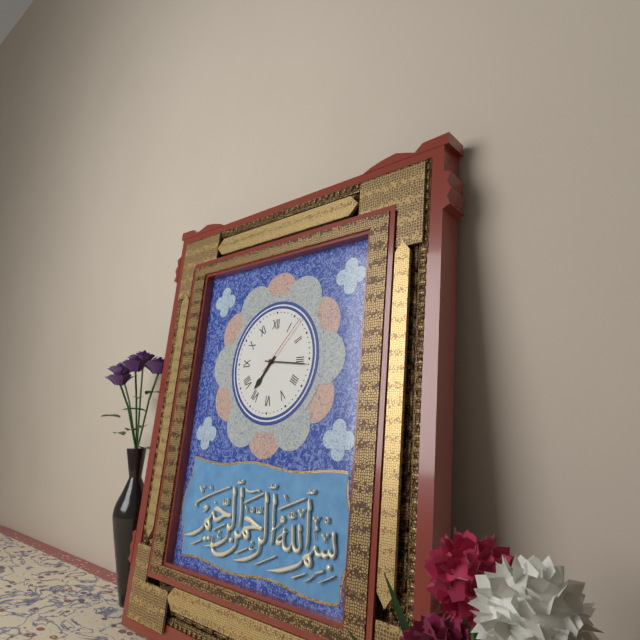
7:16:07
